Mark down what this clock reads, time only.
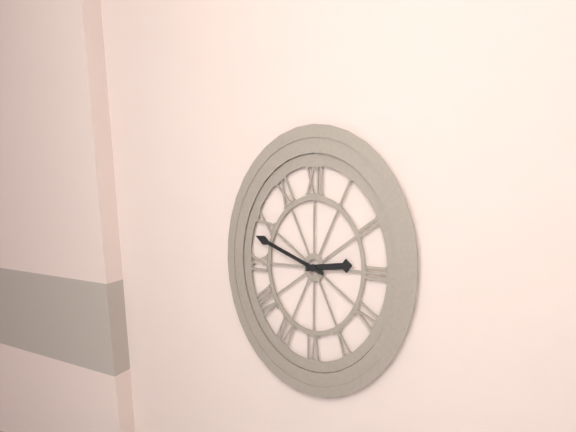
2:48
